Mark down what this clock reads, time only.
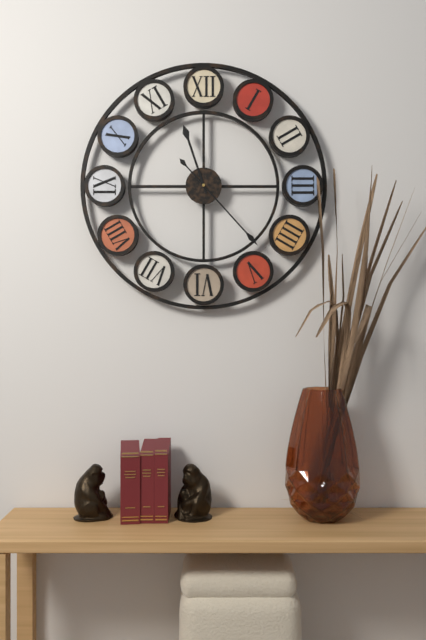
11:23
